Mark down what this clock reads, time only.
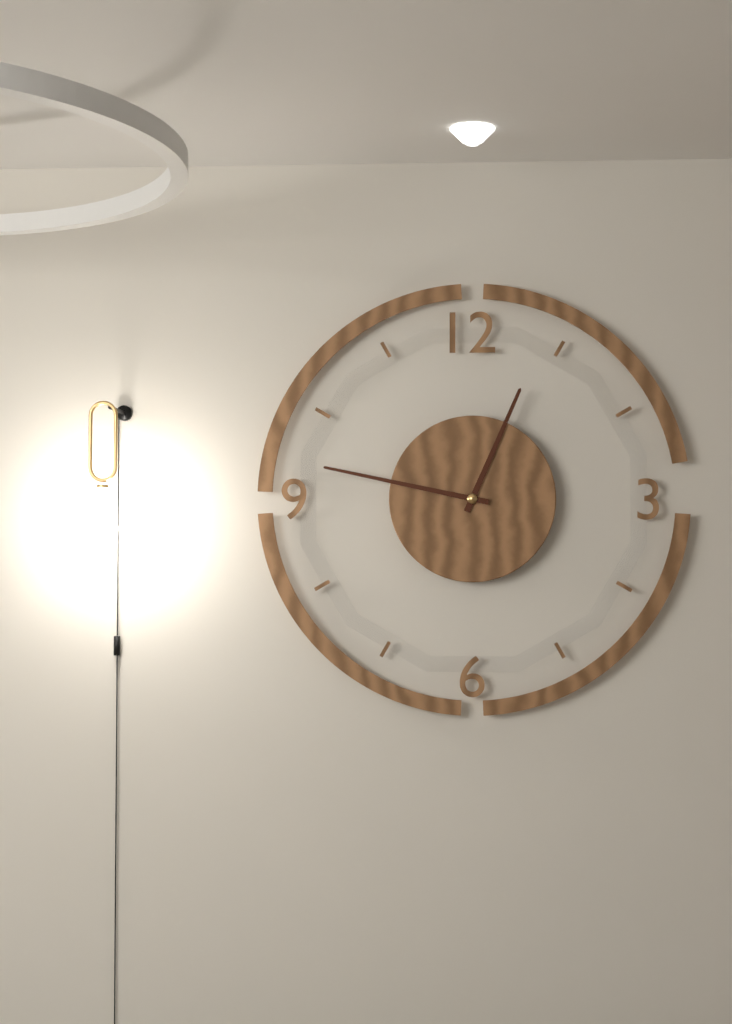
12:47
